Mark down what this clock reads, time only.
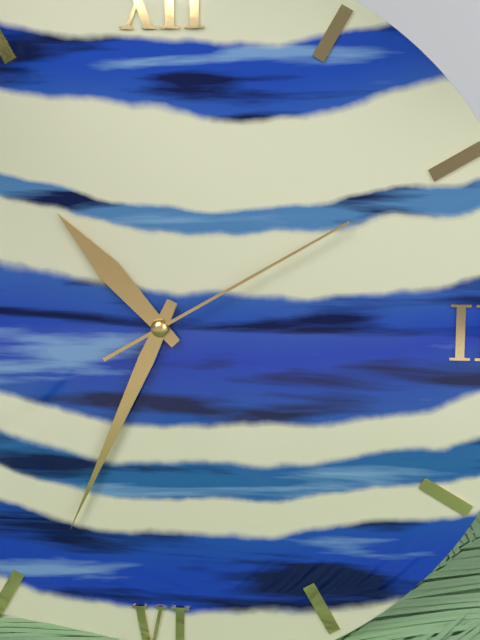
10:34:10
